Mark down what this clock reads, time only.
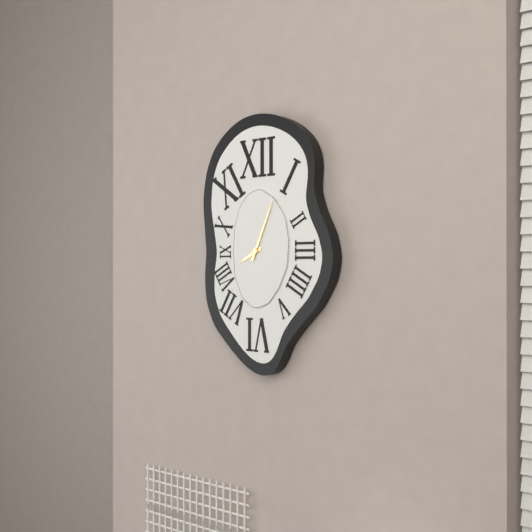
8:04
